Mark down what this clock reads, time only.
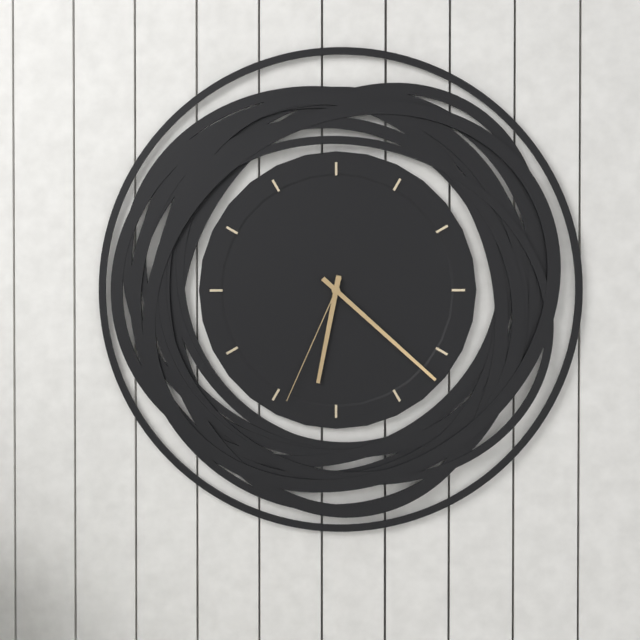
6:22:34
